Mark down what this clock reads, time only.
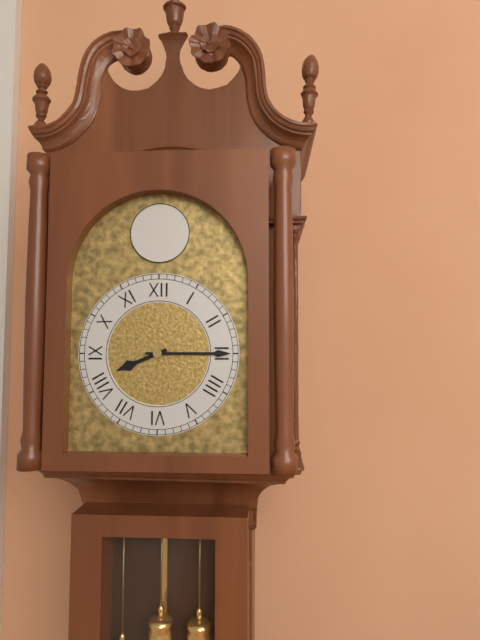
8:15
